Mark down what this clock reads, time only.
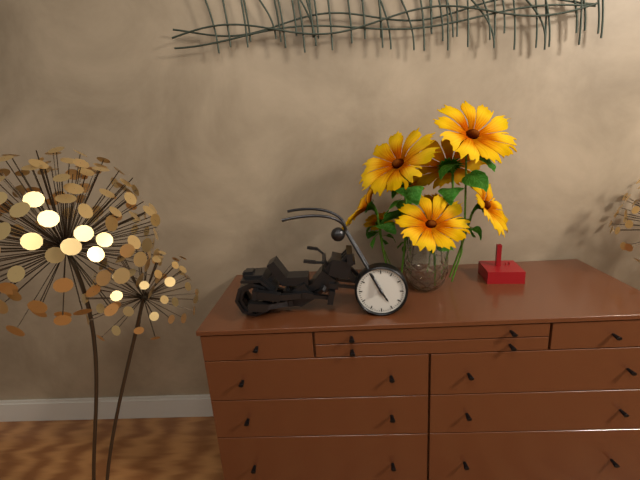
4:56
